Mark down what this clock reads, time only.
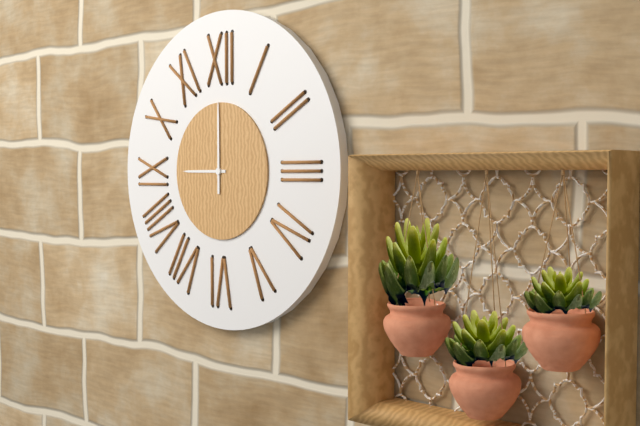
9:00
